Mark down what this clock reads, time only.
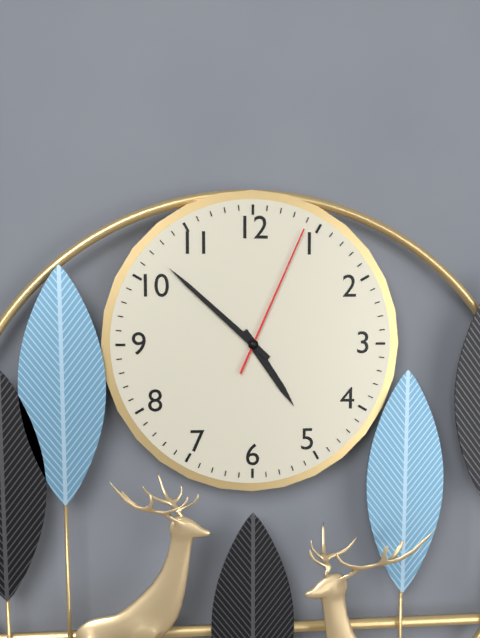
4:52:04
